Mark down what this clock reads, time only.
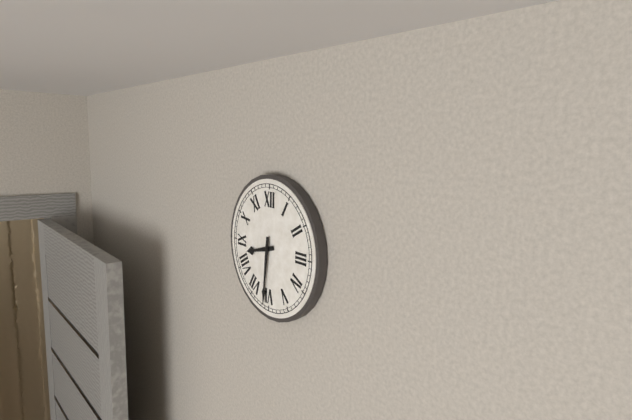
8:31
